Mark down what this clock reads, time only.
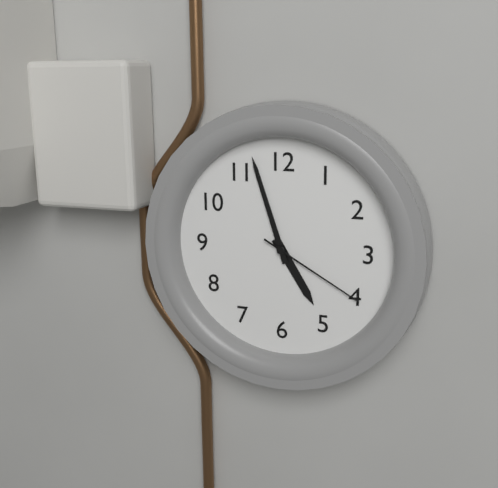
4:57:20
